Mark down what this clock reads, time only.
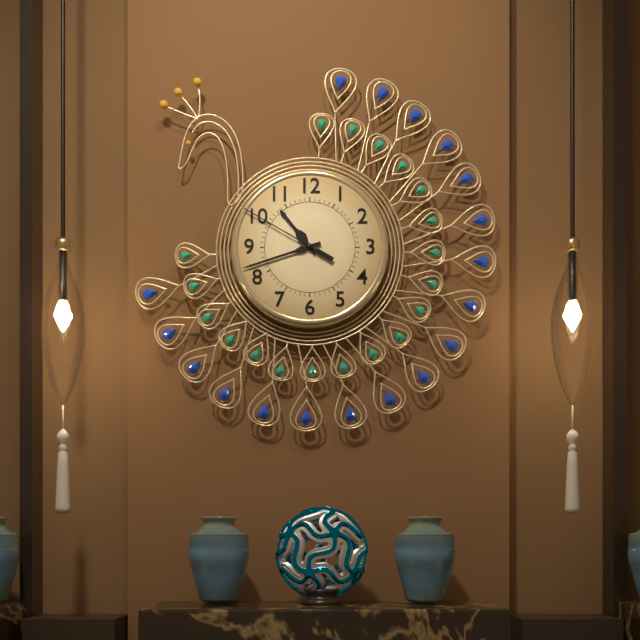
10:42:50
